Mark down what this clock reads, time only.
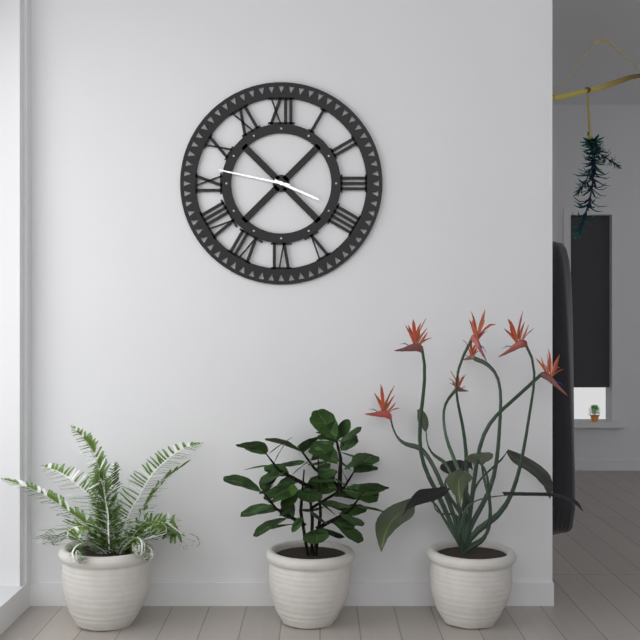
3:47
